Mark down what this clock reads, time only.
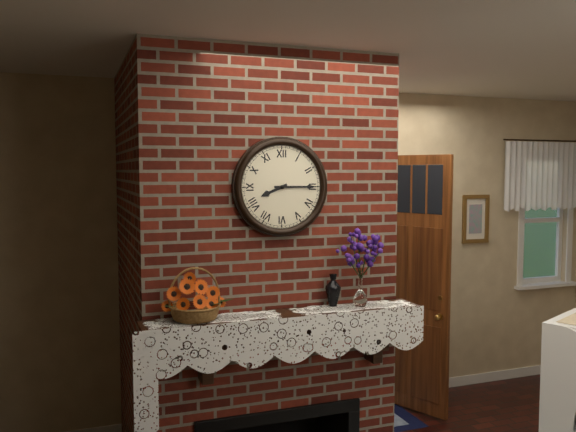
8:15
